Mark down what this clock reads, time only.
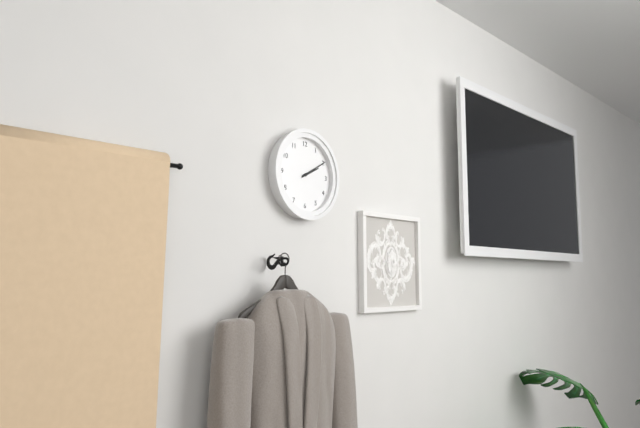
2:10
